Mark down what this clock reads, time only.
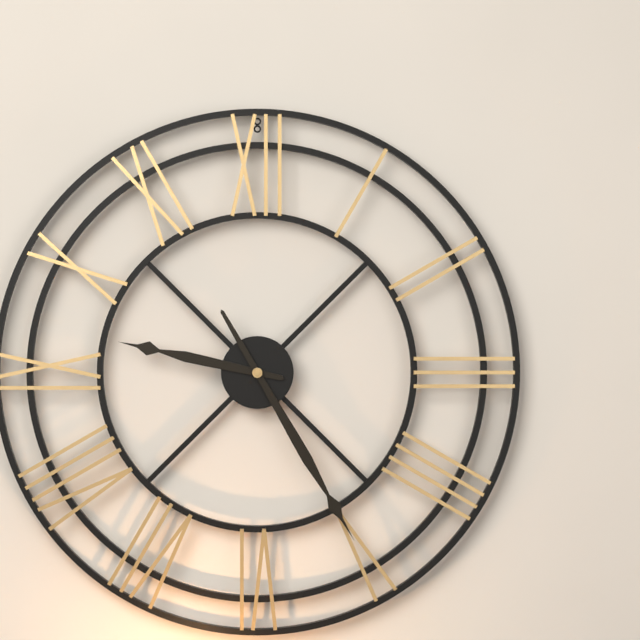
9:25
